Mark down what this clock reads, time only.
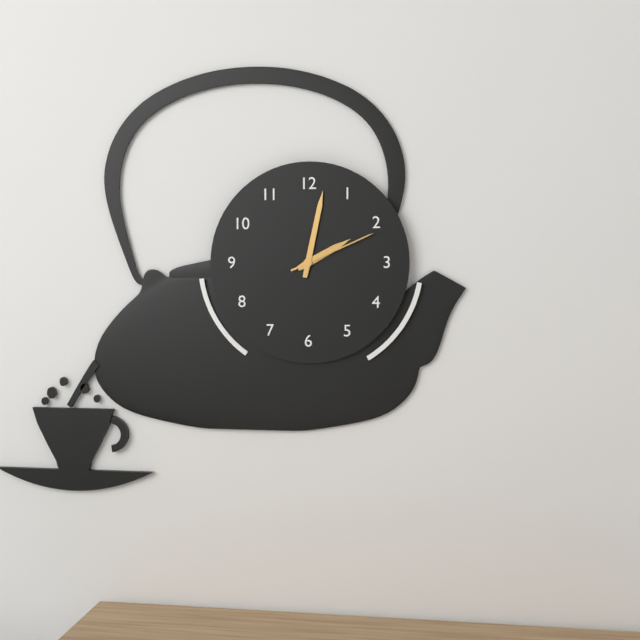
2:02:11
